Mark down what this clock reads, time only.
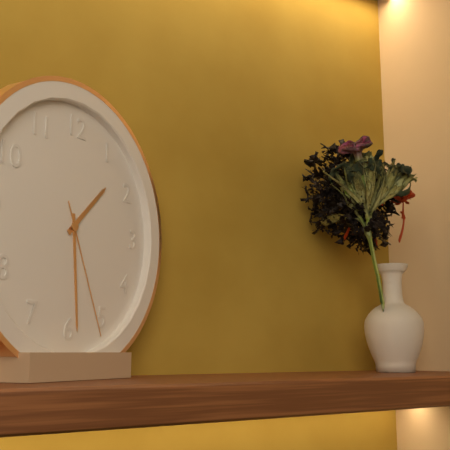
1:29:26
